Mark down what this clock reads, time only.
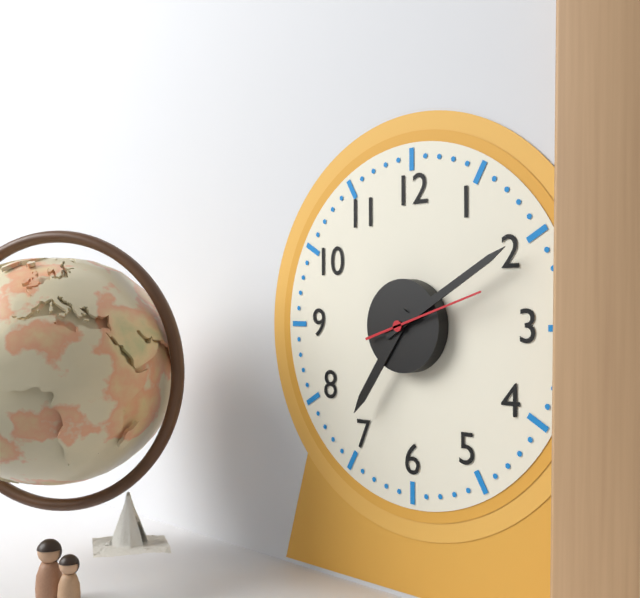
7:10:12
